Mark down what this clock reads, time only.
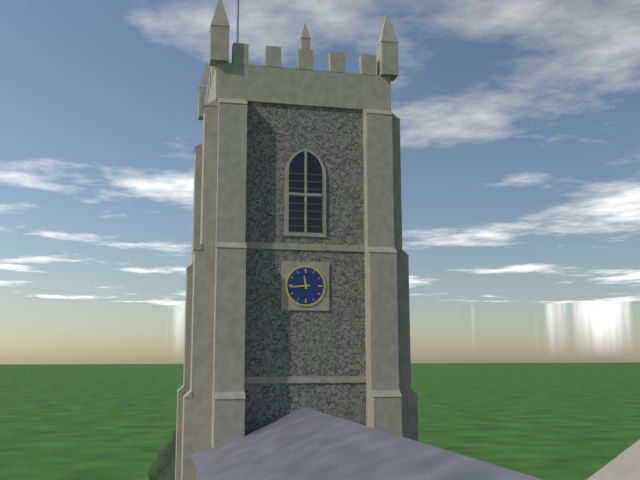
11:44
